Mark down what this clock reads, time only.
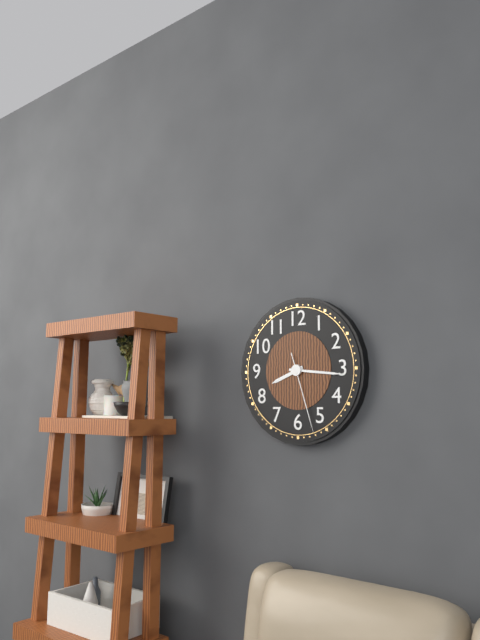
8:16:27
